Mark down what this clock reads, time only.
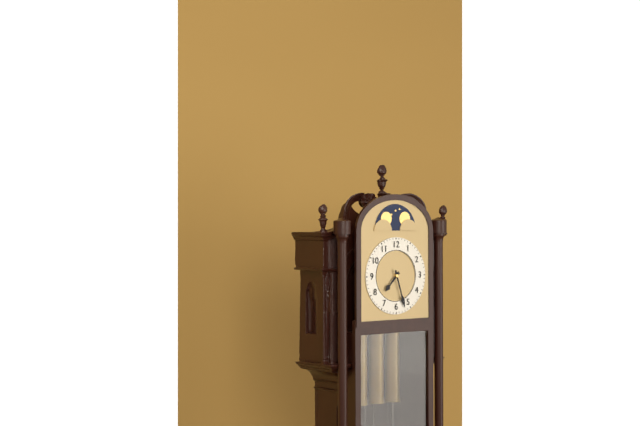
7:27
